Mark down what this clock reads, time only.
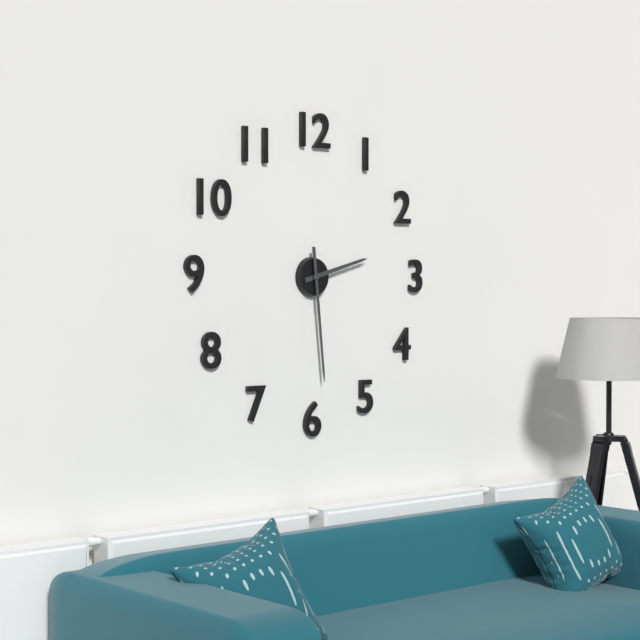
2:29
